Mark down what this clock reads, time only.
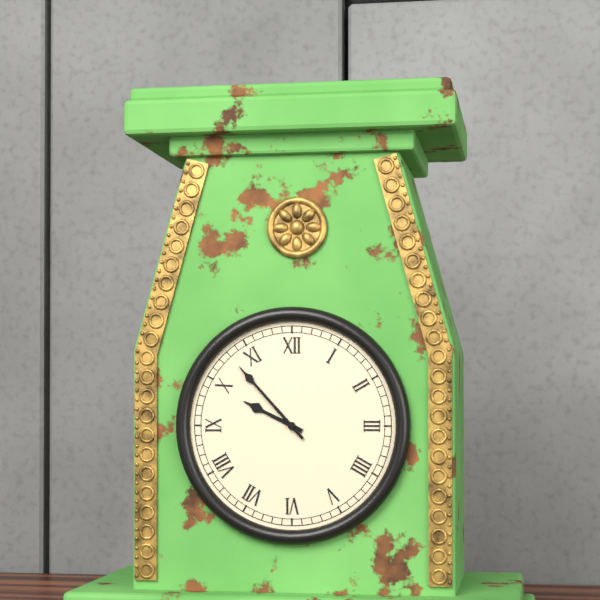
9:53
